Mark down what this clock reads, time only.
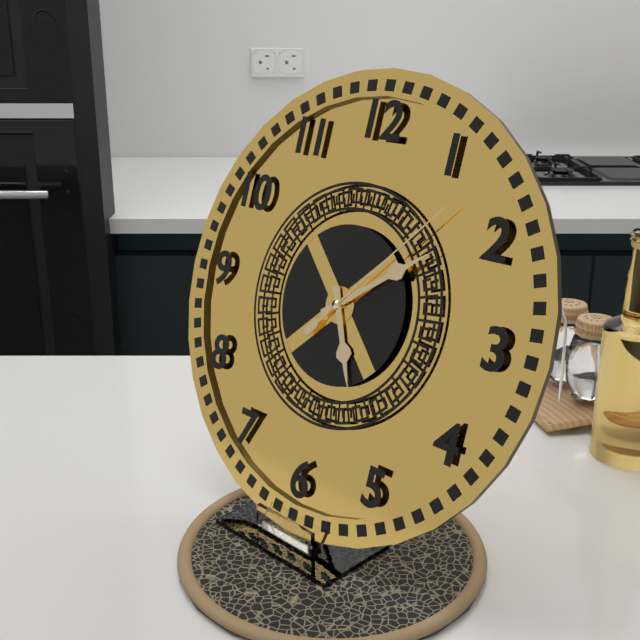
5:09:07
